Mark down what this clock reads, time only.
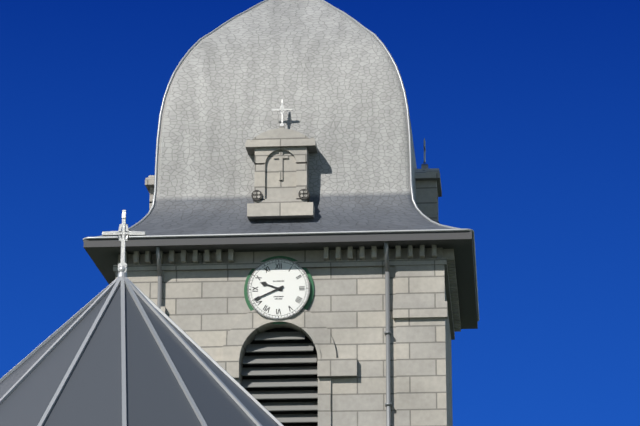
9:41
